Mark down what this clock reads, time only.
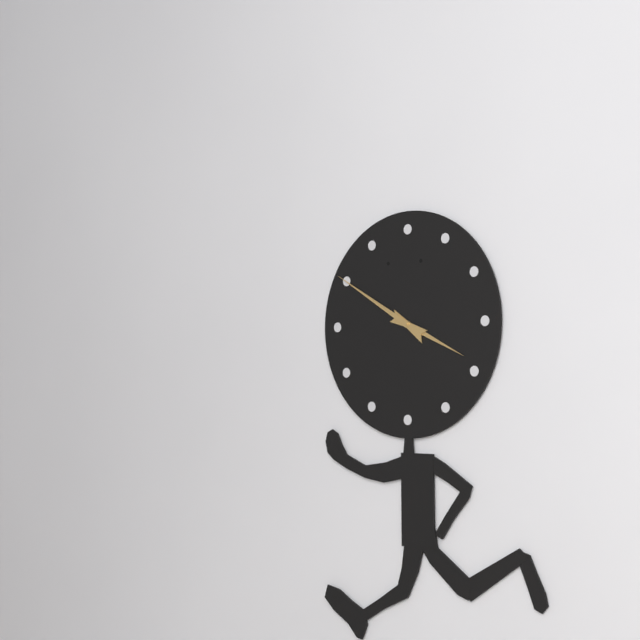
3:50
